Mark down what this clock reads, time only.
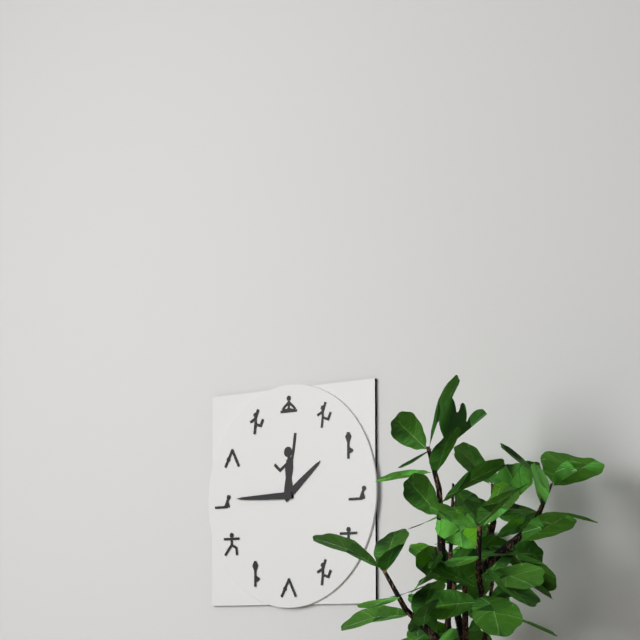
1:45
